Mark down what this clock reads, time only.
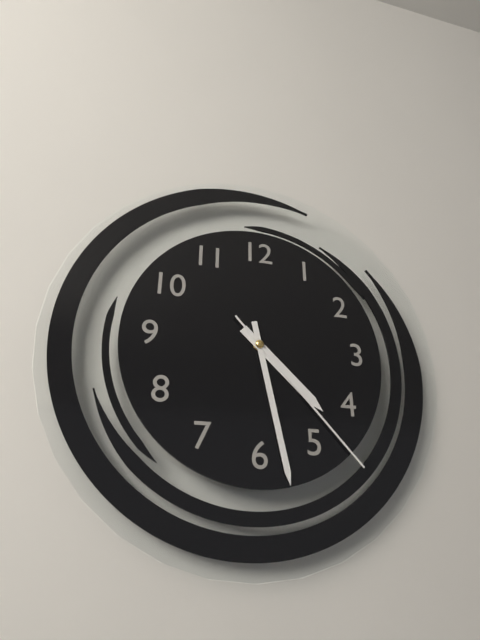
4:28:23
